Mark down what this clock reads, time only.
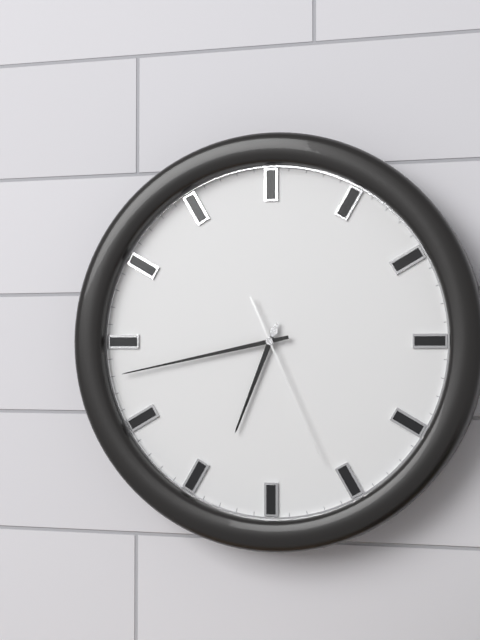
6:43:26
